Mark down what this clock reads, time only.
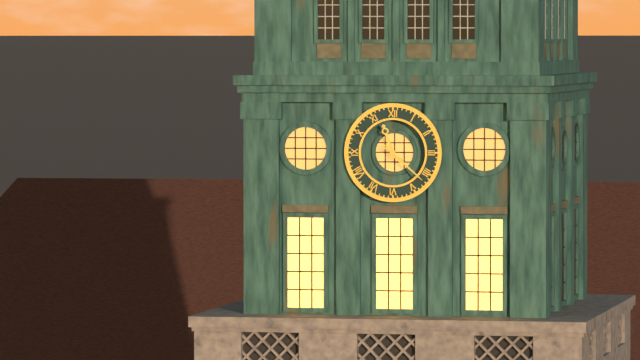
11:22
